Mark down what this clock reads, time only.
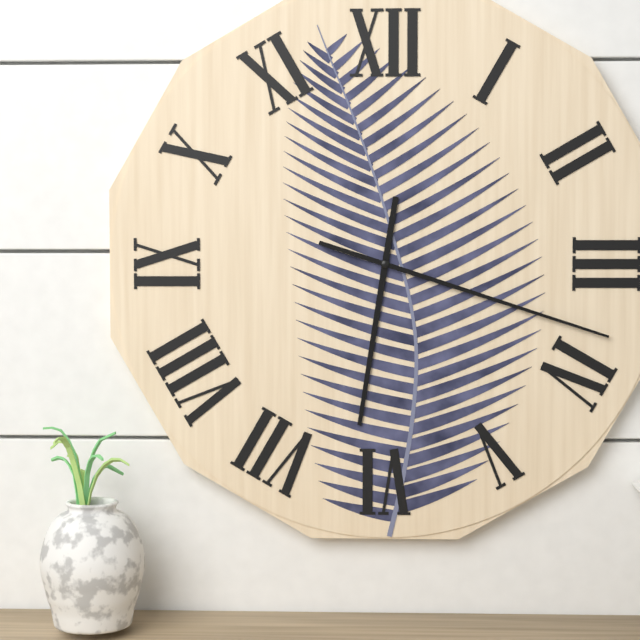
6:18
